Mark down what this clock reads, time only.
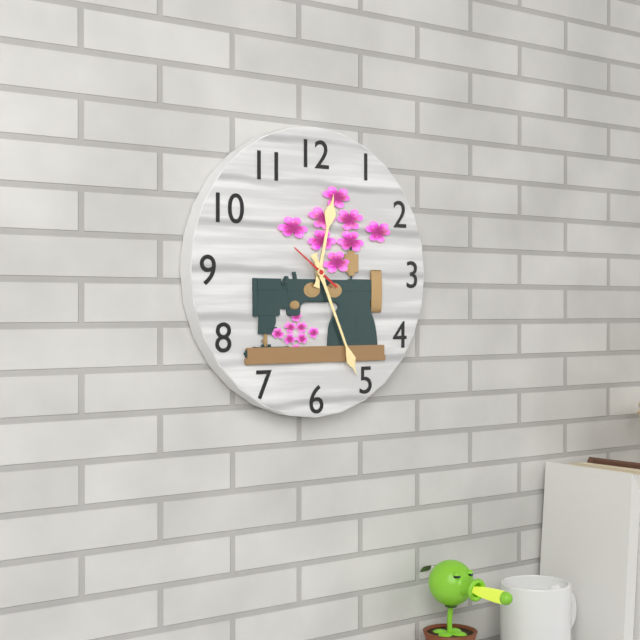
12:26
